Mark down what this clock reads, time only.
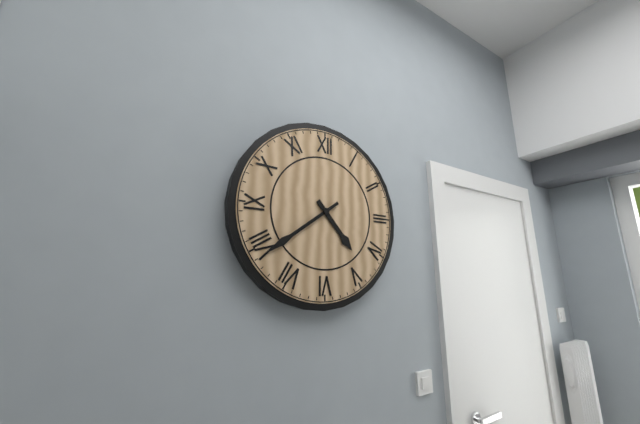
4:39
